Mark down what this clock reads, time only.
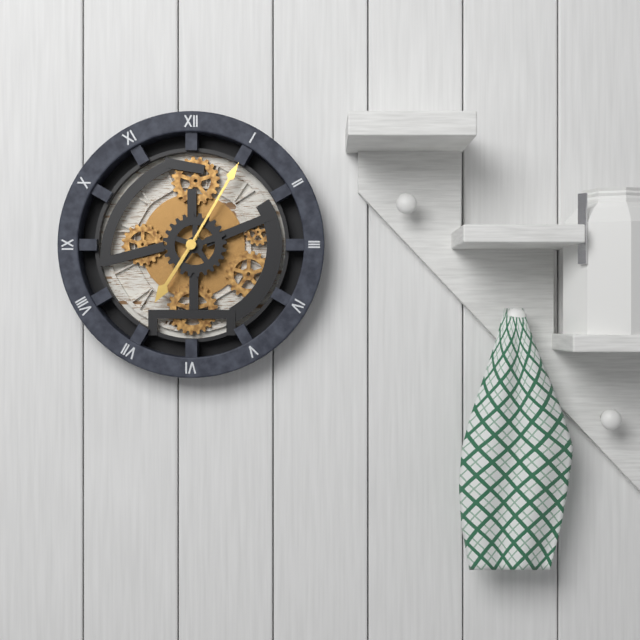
7:05
